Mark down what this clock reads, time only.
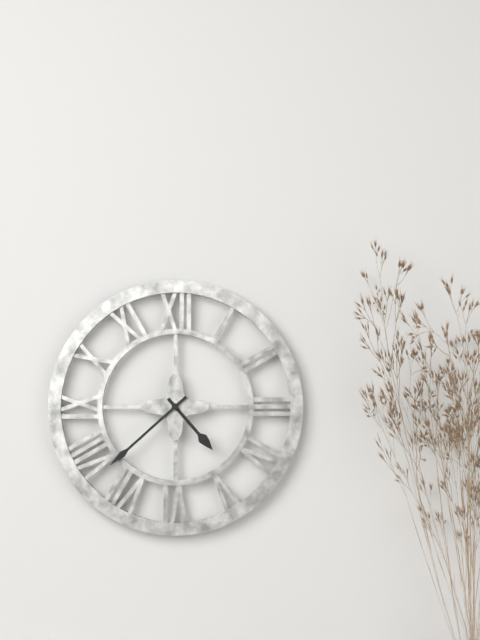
4:38
